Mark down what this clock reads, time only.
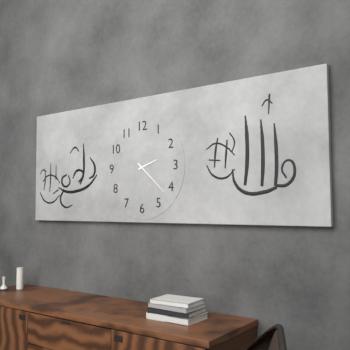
2:22
